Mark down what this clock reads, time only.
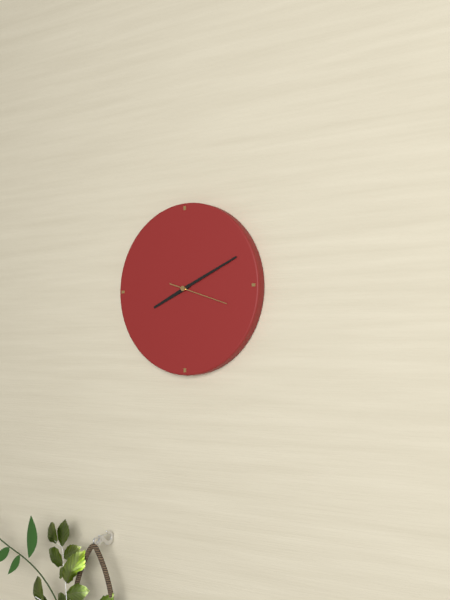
8:11:18
